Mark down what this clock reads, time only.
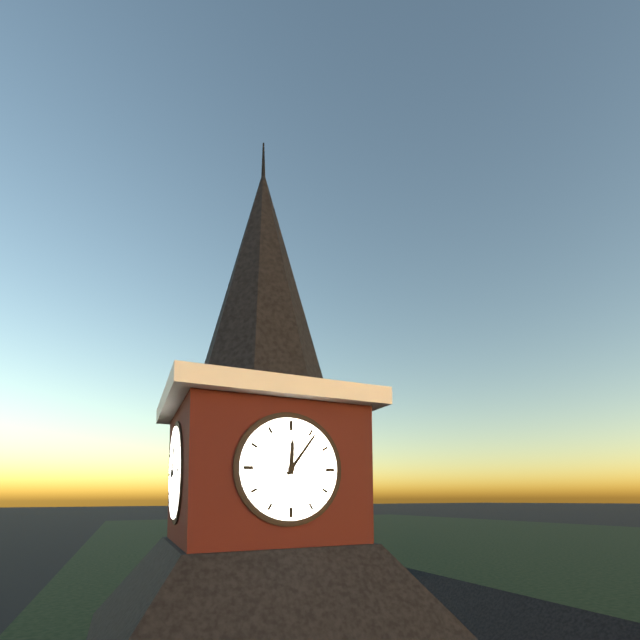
12:06
